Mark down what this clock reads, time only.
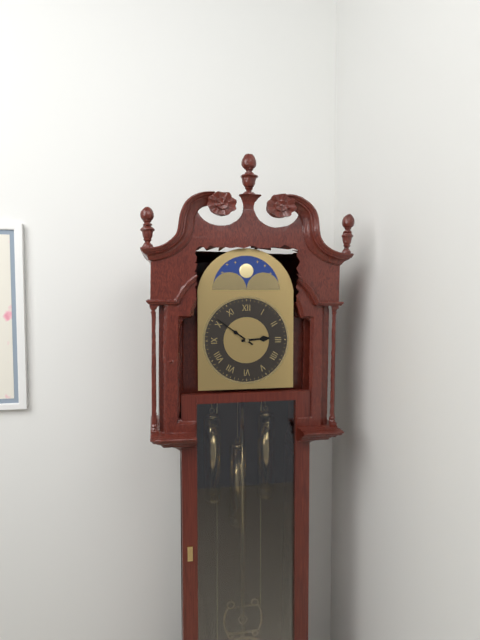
2:51
